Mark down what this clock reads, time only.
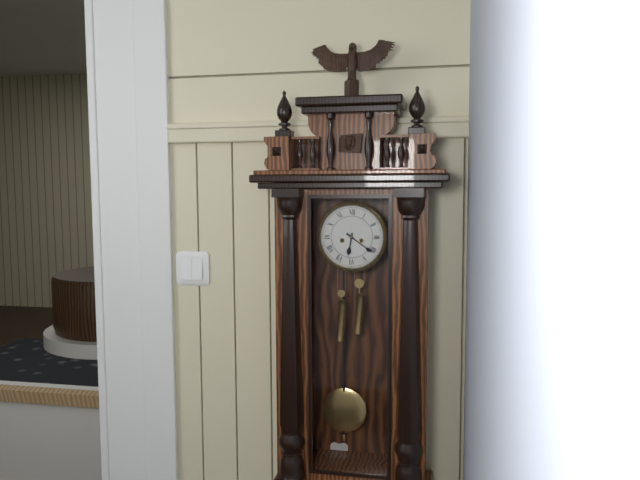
6:21
